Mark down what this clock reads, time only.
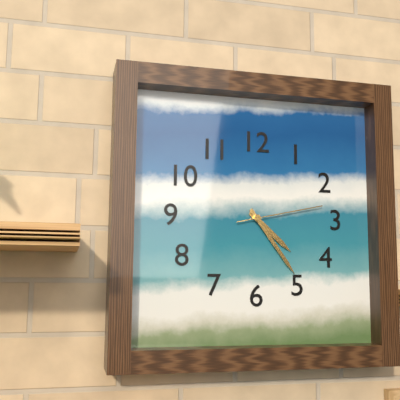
4:24:13
